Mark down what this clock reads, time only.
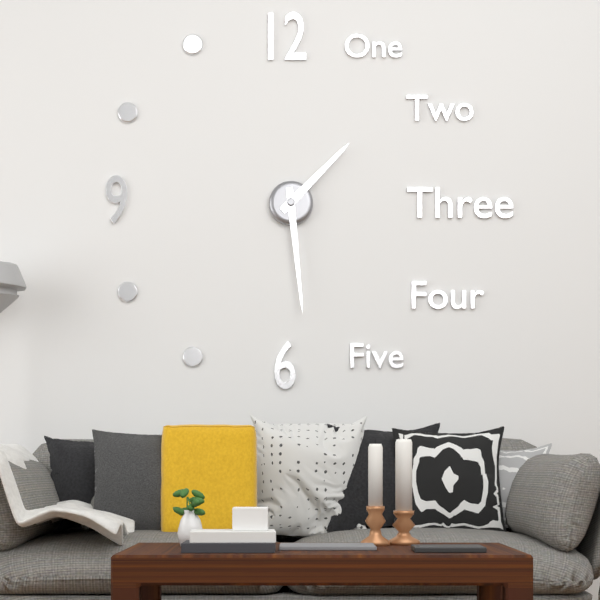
1:29
